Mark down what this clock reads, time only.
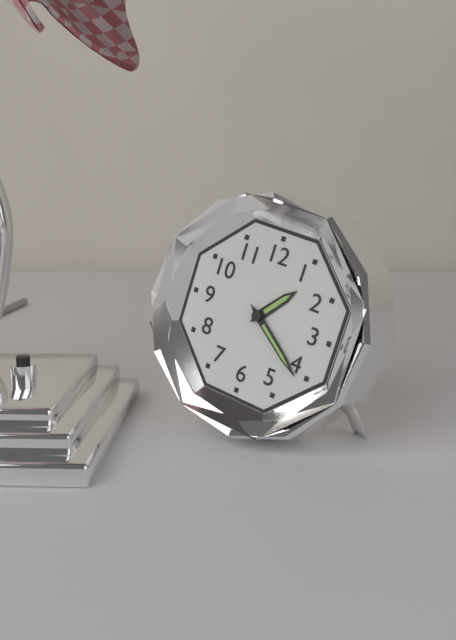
1:21
